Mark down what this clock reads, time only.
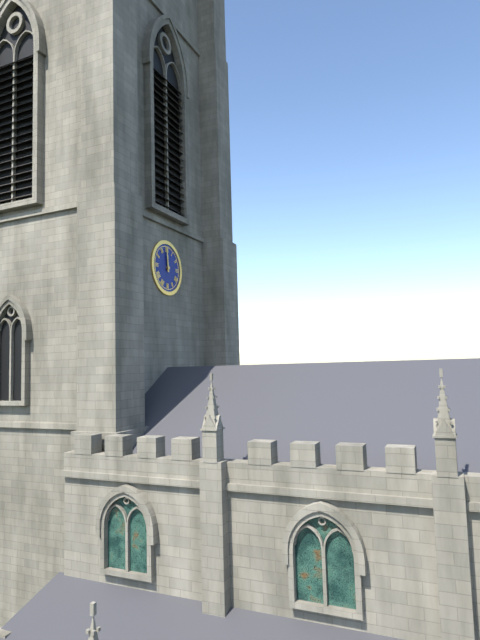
11:59
